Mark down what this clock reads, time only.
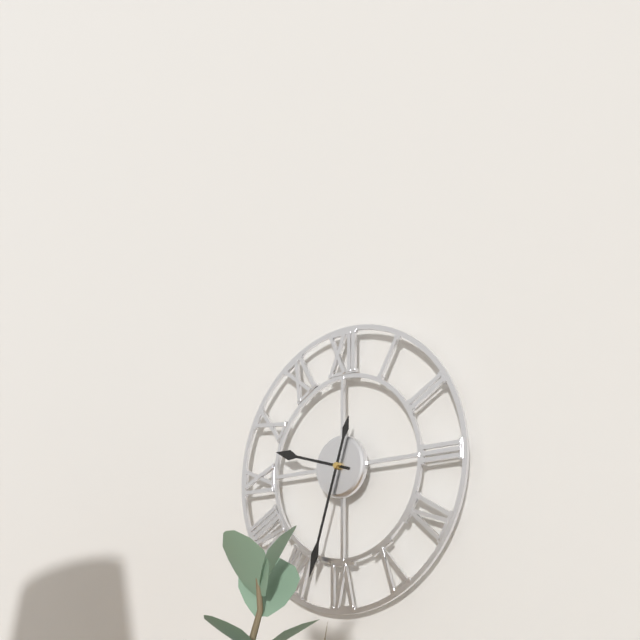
9:33
